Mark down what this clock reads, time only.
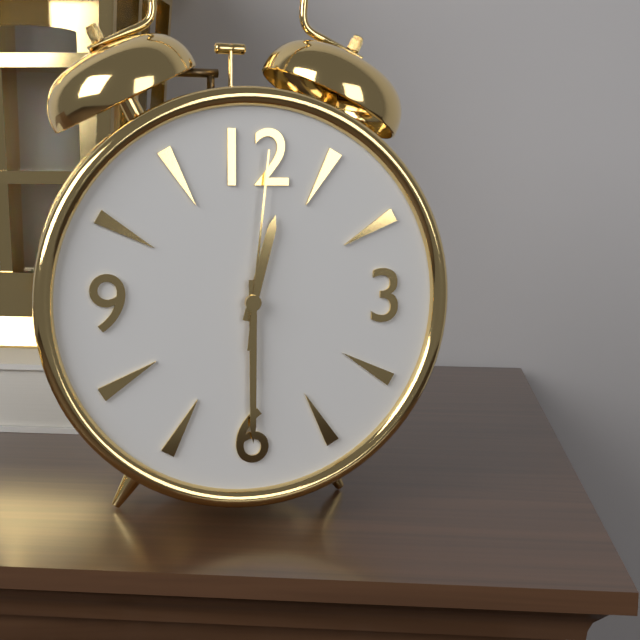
12:30:01
